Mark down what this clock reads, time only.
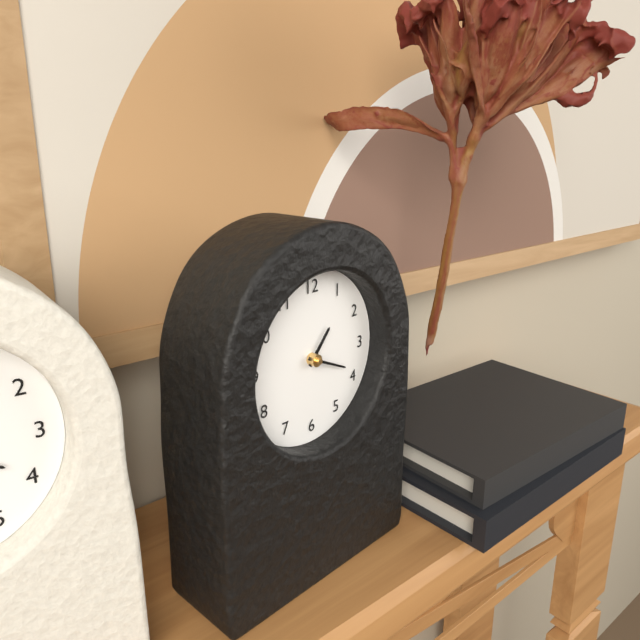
1:19
